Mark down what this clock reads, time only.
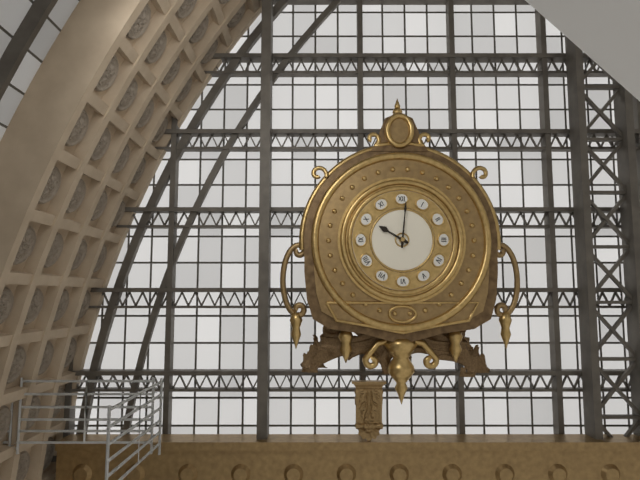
10:01
